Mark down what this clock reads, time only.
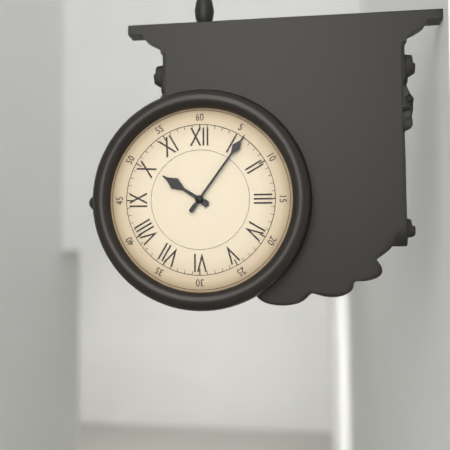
10:06
